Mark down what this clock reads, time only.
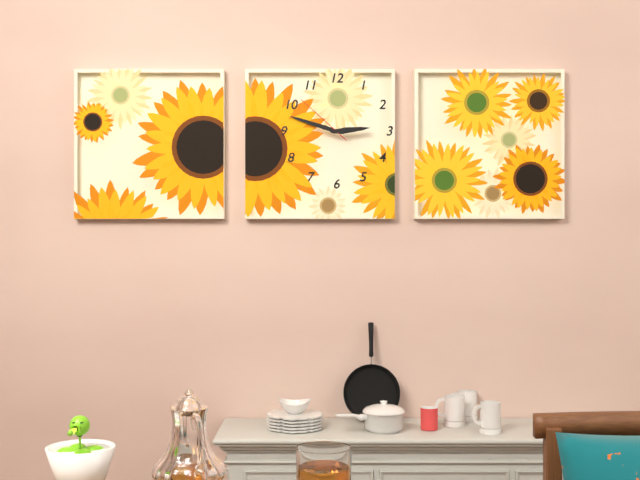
2:48:52
